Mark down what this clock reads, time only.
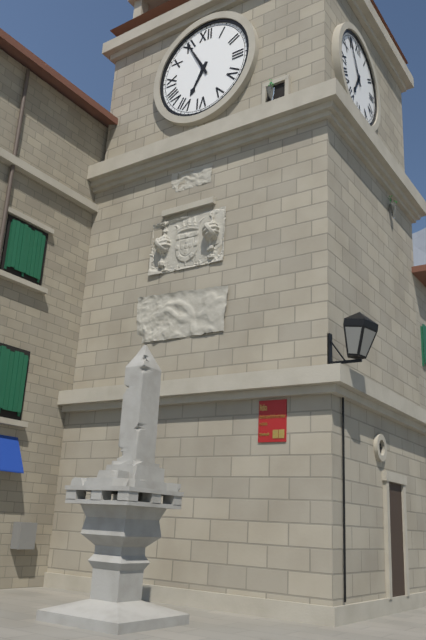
6:55
